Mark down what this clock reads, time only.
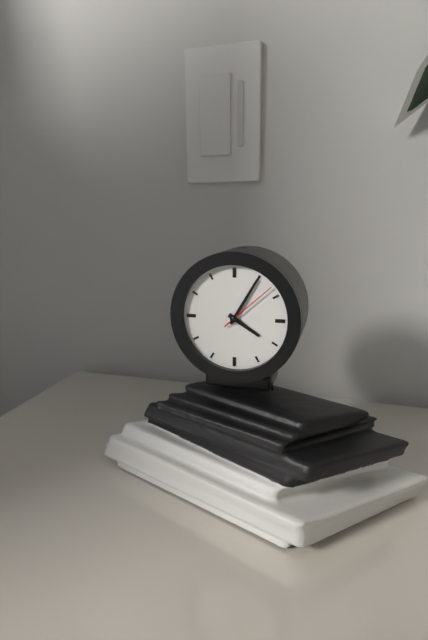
4:05:08
